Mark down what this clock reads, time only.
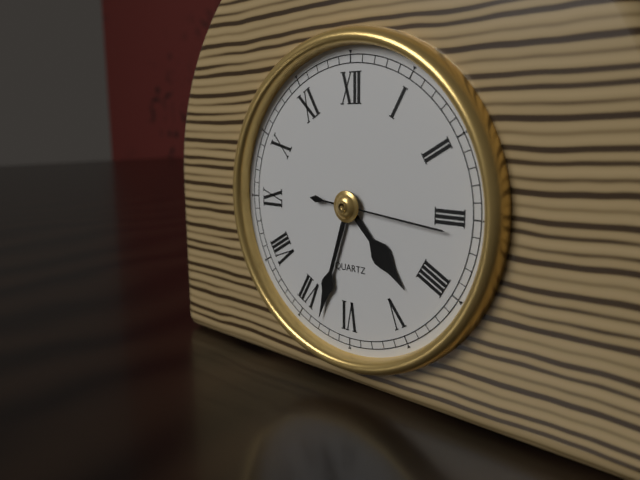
4:33:16
